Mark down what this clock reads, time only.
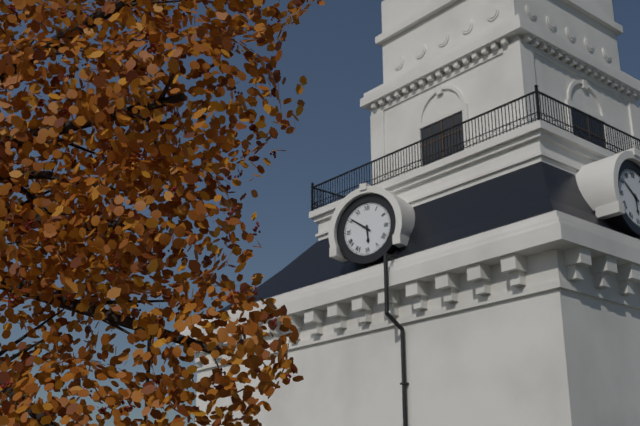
5:51
